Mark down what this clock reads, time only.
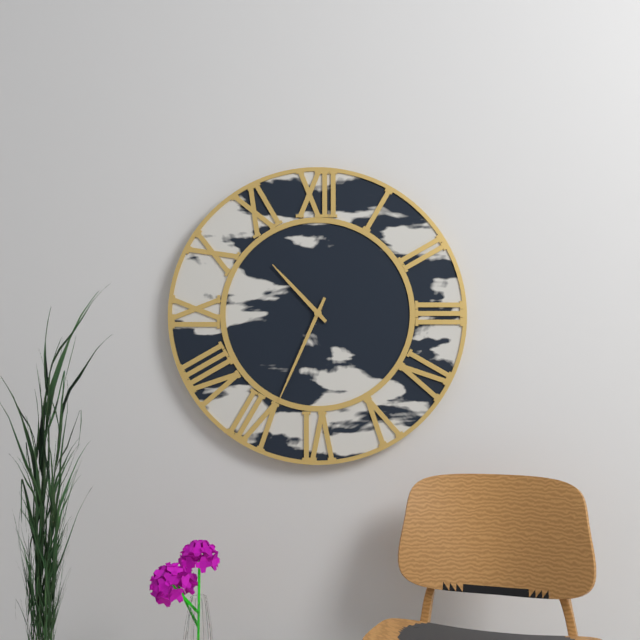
10:34
